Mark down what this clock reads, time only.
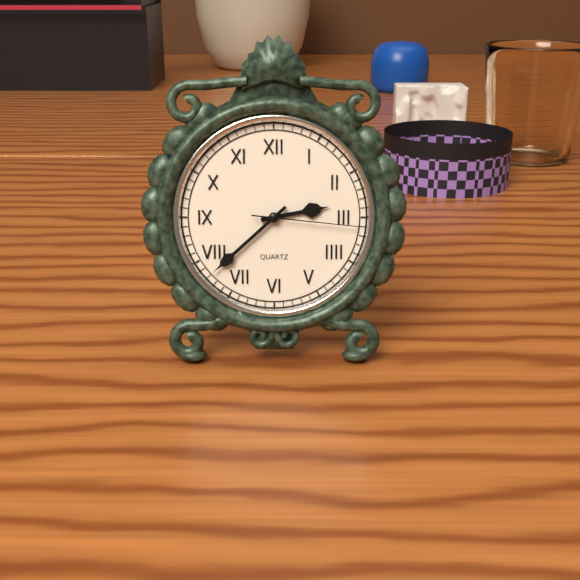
2:38:16
